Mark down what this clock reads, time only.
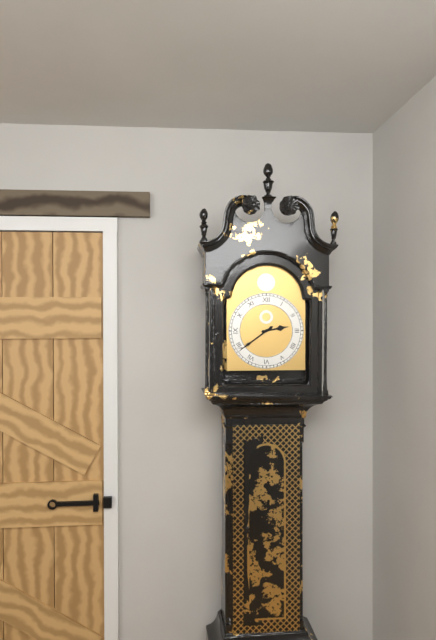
2:39
